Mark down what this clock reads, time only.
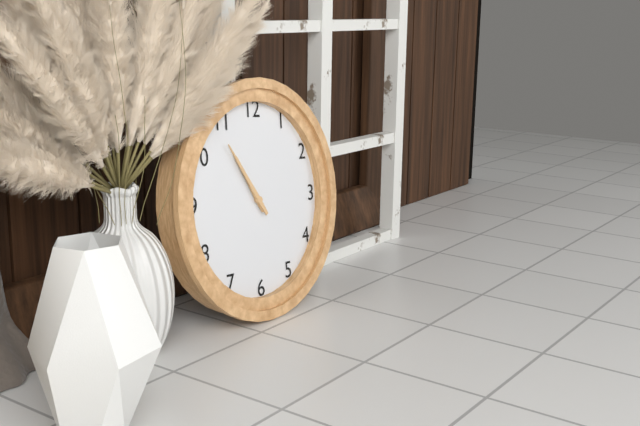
10:54
